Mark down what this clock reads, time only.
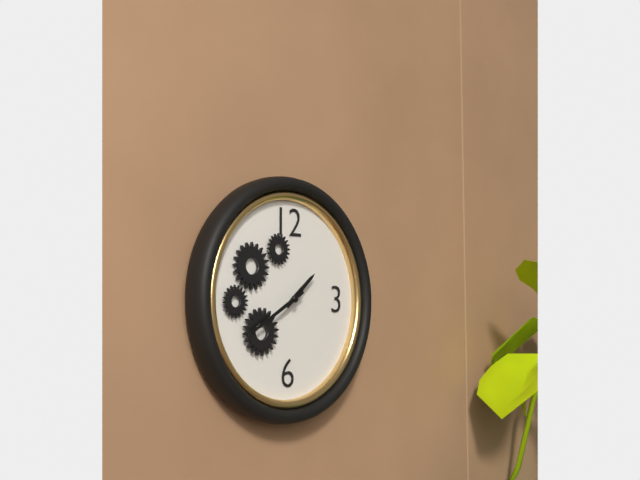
1:40
